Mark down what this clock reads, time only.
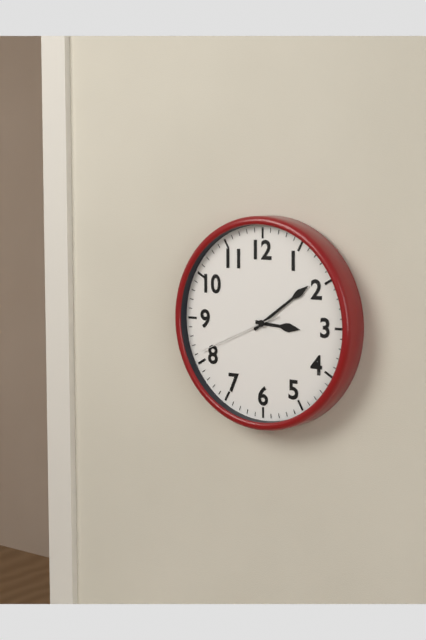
3:09:41
